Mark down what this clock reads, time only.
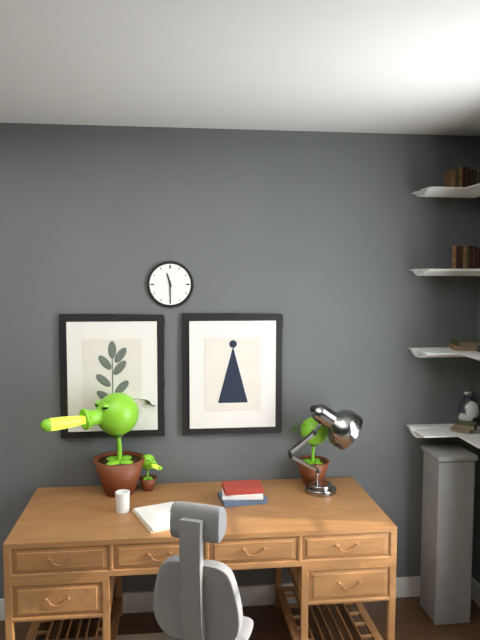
11:30
